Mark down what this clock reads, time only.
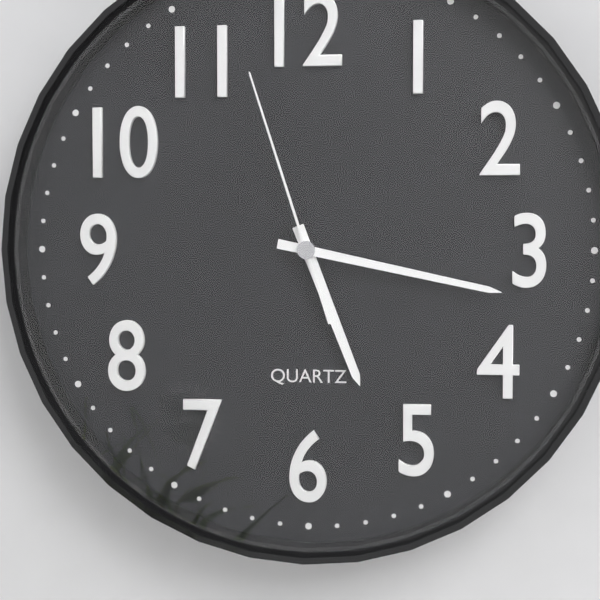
5:17:57
